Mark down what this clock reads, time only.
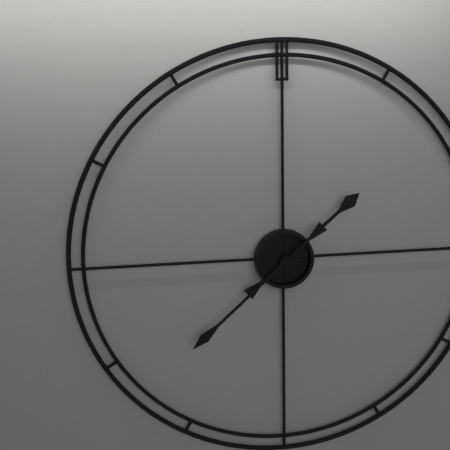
1:38
